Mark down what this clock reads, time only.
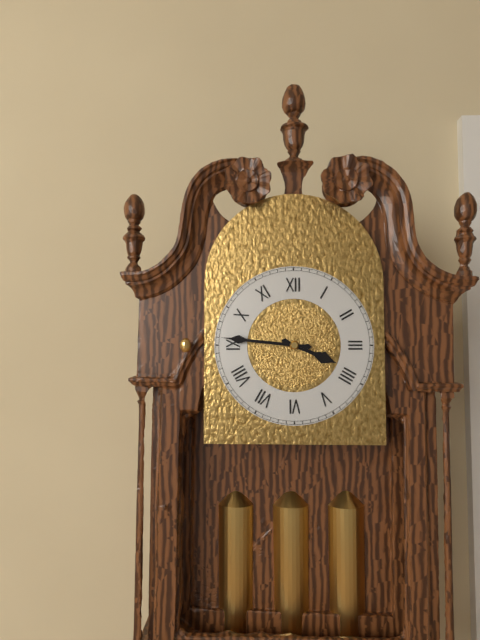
3:46
